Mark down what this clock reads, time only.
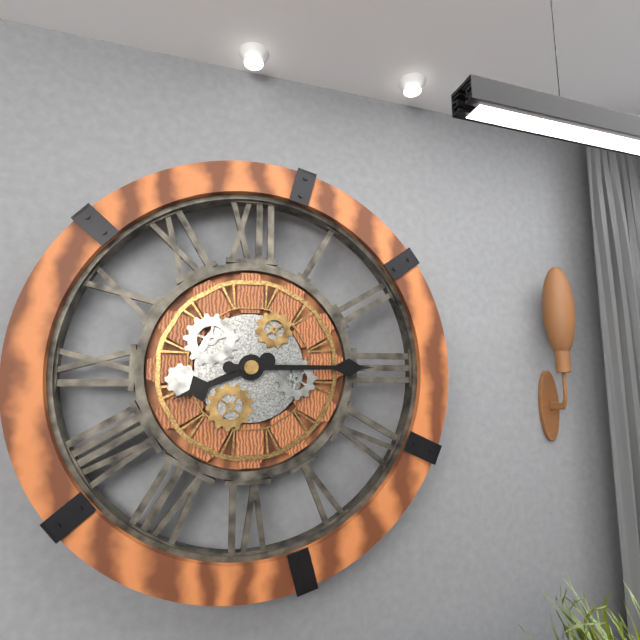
8:15
